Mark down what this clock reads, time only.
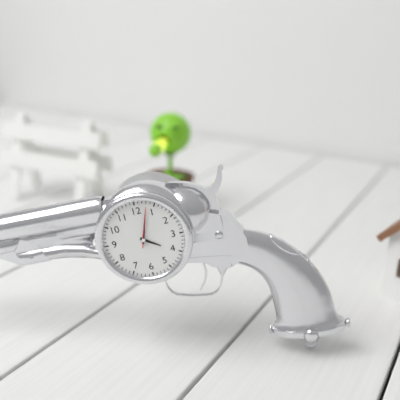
4:03
